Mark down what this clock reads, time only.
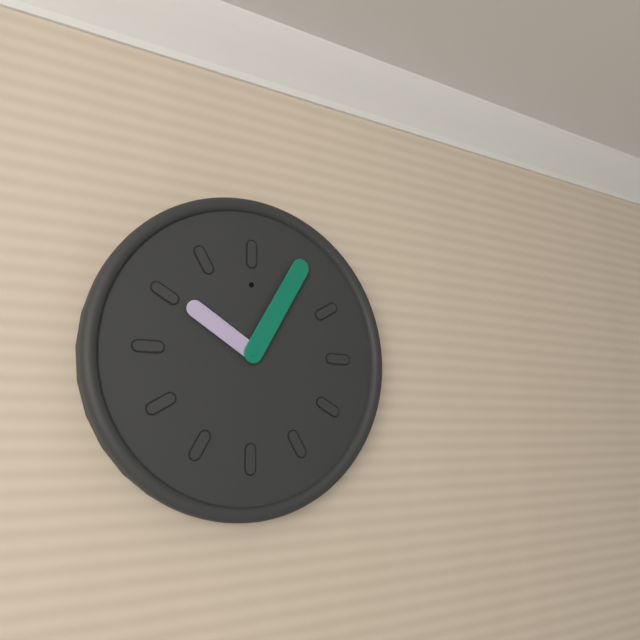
10:05
